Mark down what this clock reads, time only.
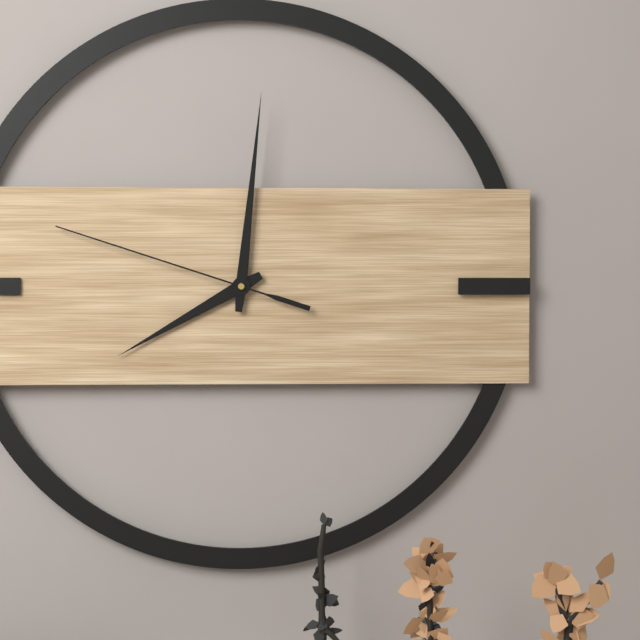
8:01:48
